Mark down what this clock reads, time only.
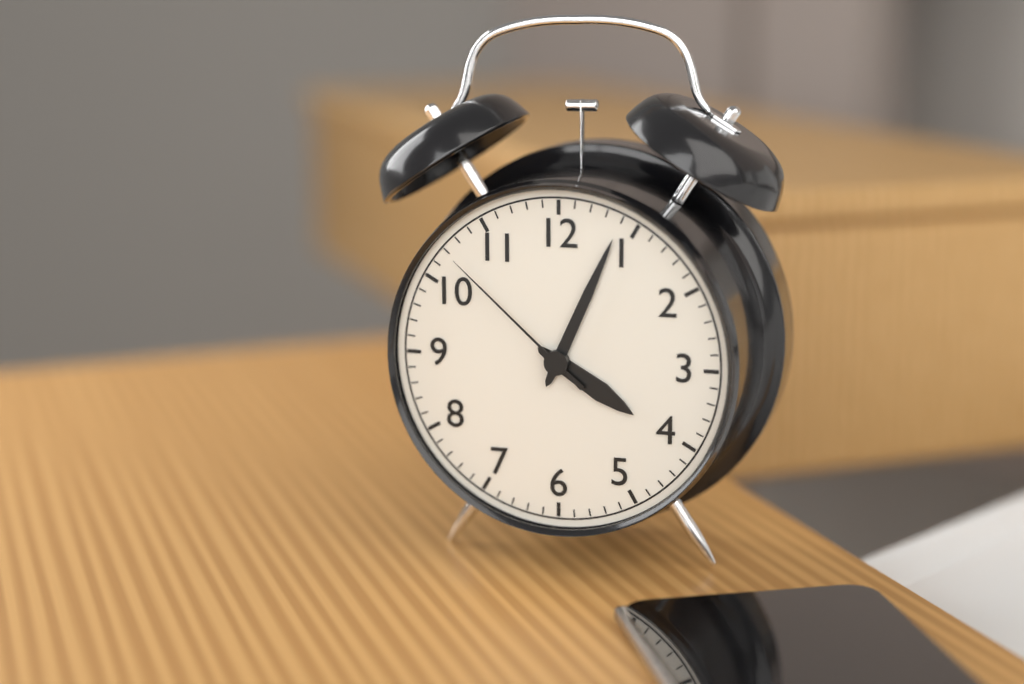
4:04:52
